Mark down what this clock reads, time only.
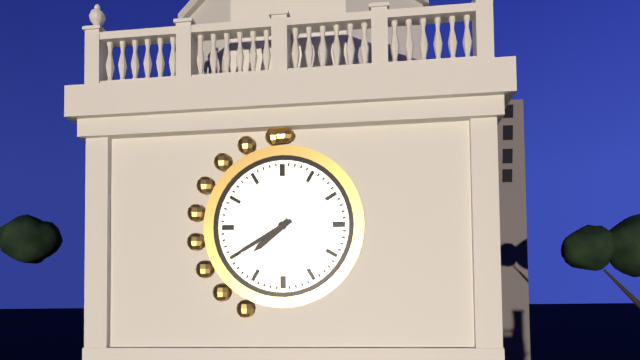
7:40
